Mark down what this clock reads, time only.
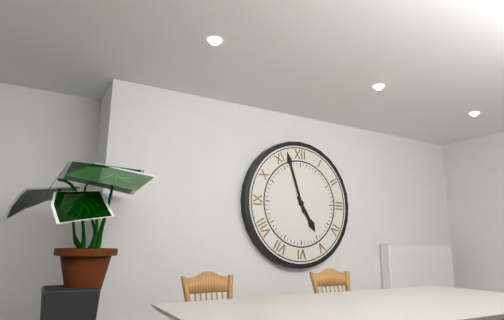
4:57
